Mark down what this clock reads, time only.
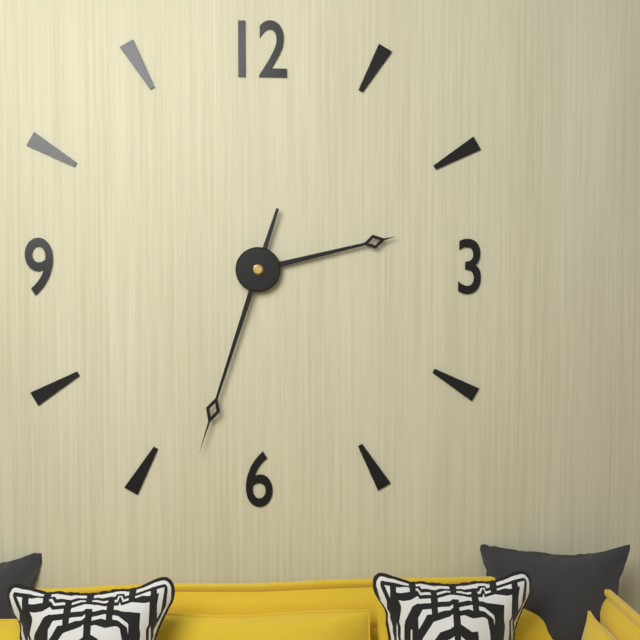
2:33
